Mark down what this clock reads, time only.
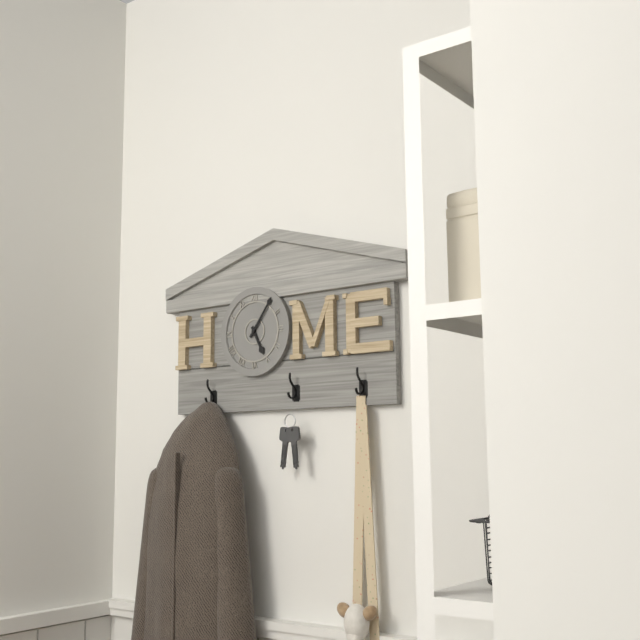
5:06
